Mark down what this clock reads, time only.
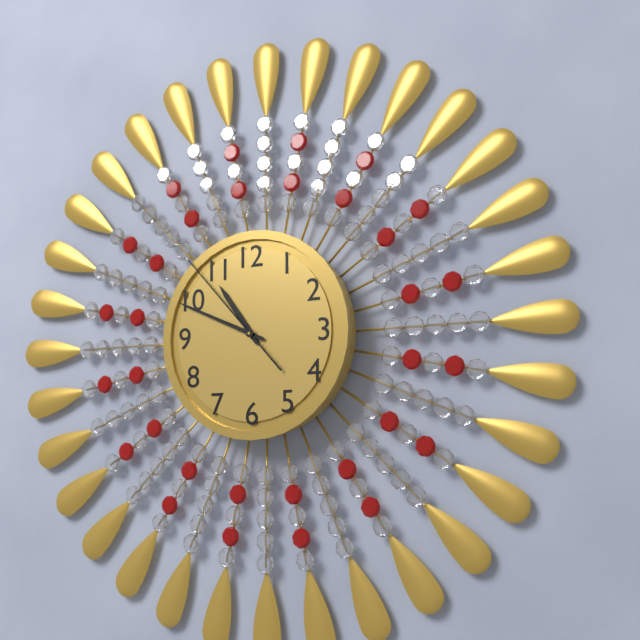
10:49:53
